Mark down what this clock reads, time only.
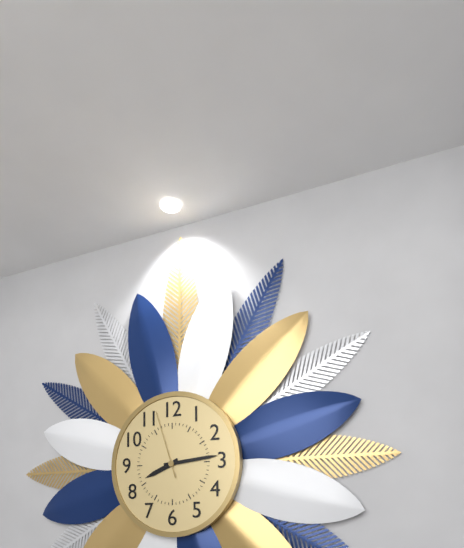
8:14:57
